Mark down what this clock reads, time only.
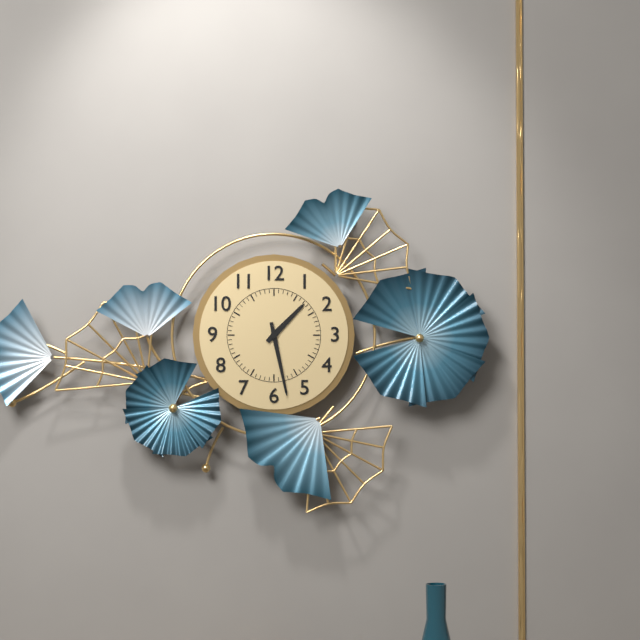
1:28
